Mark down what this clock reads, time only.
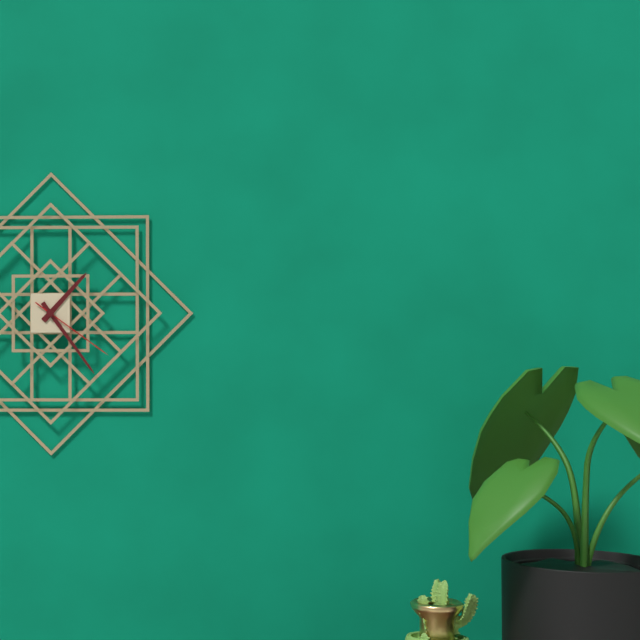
1:24:21
